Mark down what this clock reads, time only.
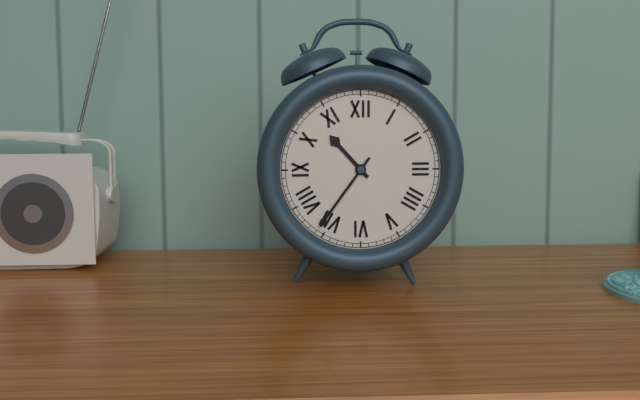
10:36
